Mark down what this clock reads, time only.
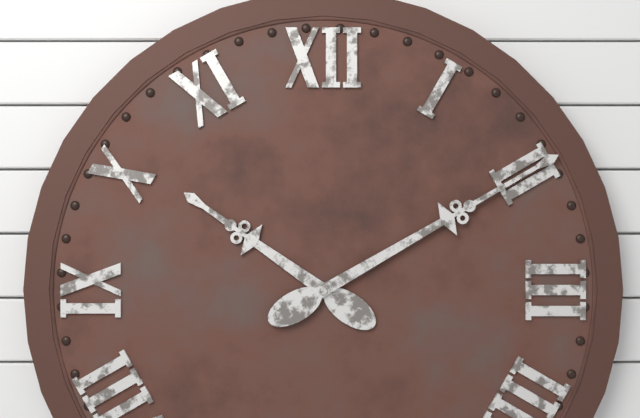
10:10
